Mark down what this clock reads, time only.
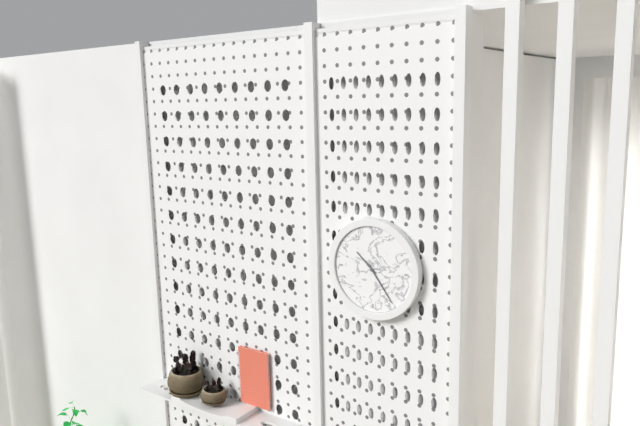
10:24
